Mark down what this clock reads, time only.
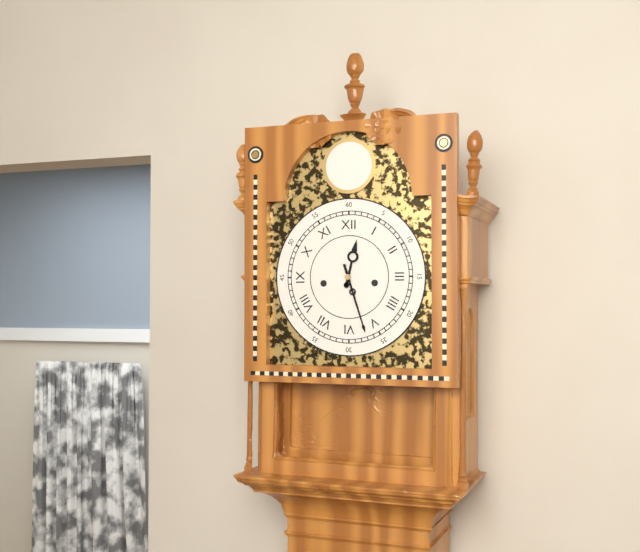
12:27
